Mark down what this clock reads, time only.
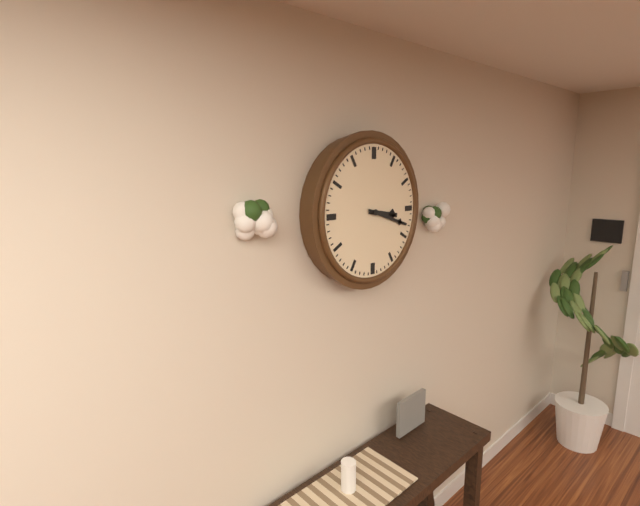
3:18
